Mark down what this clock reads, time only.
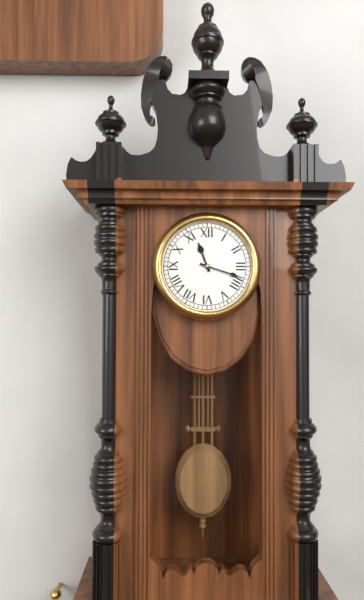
11:18
